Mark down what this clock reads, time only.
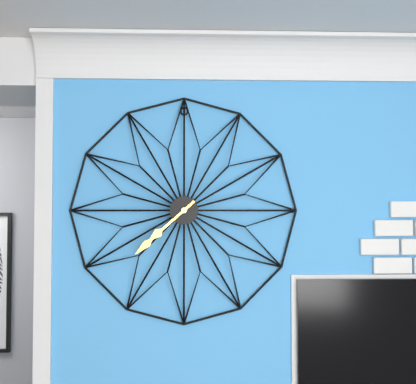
7:38
